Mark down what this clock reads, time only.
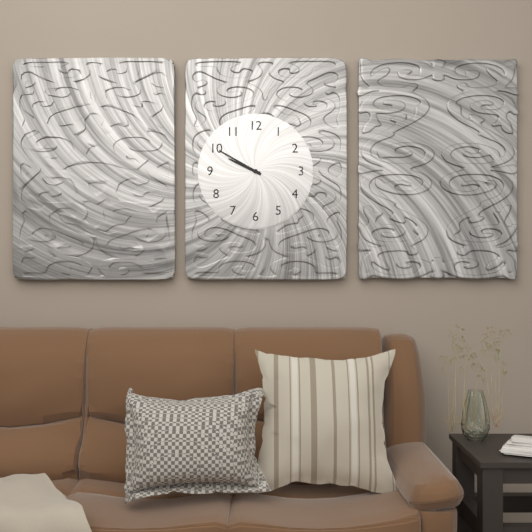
9:50
